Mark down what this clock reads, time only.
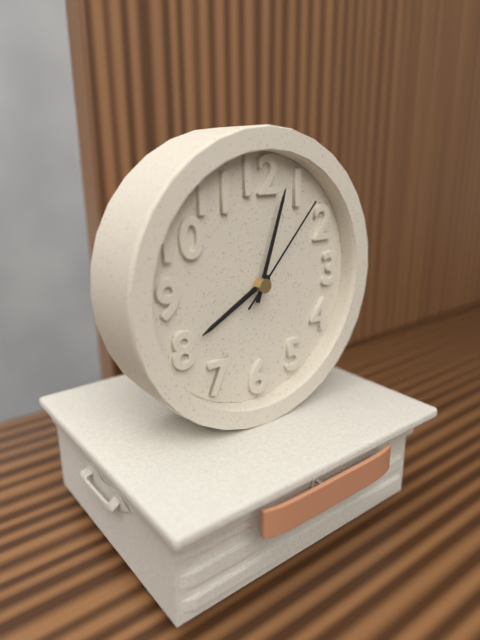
8:03:07
